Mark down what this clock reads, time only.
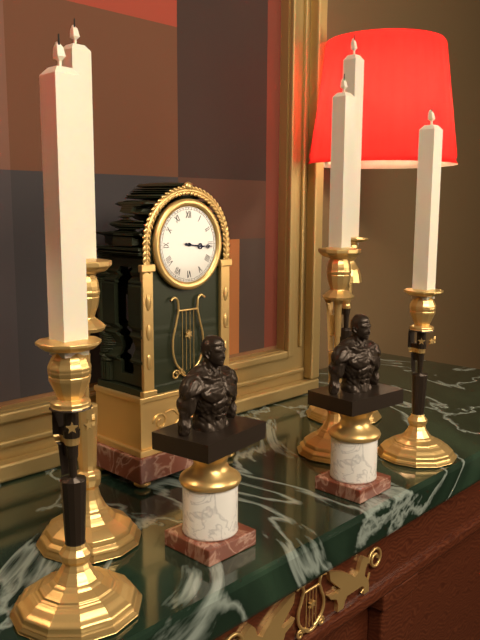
3:16
